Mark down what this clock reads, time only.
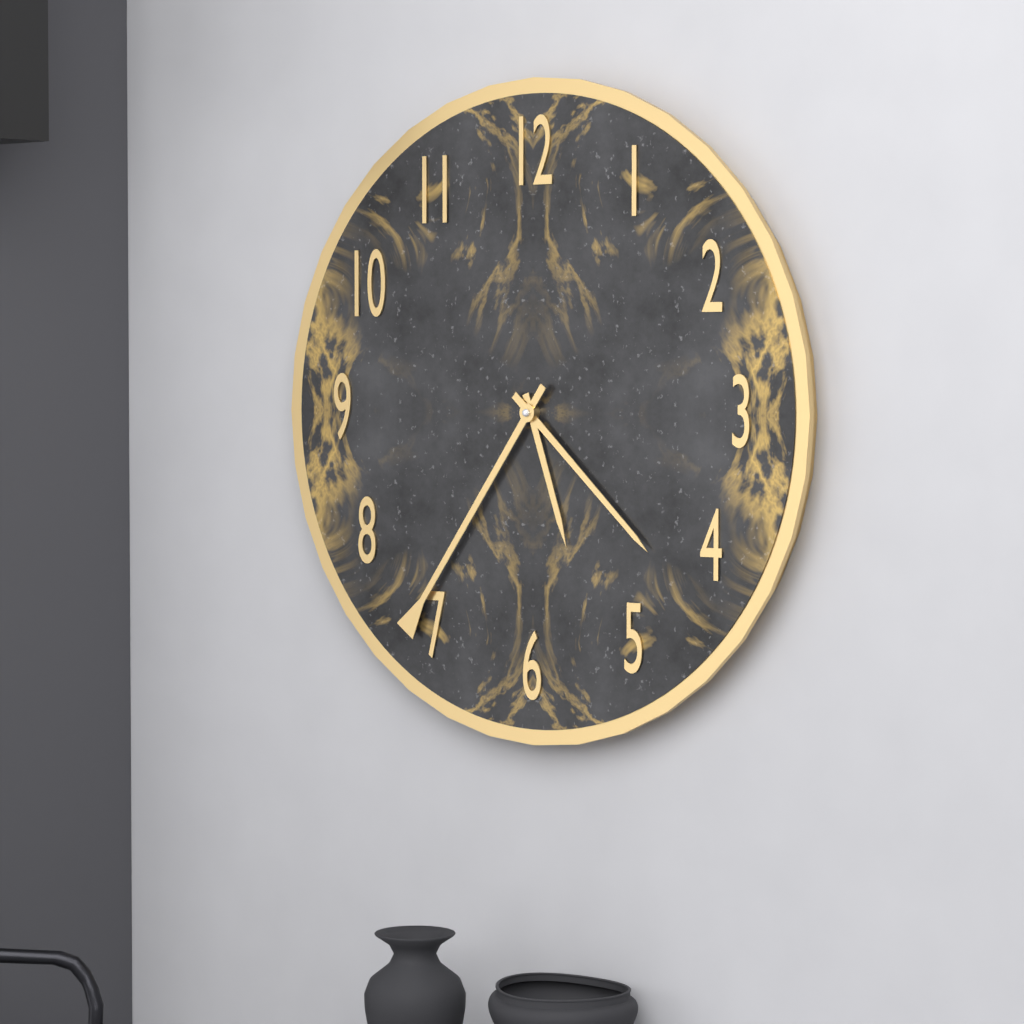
5:22:36
